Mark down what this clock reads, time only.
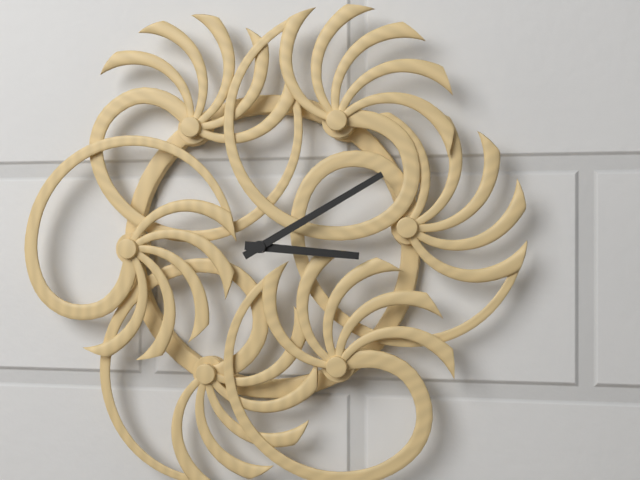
3:10
